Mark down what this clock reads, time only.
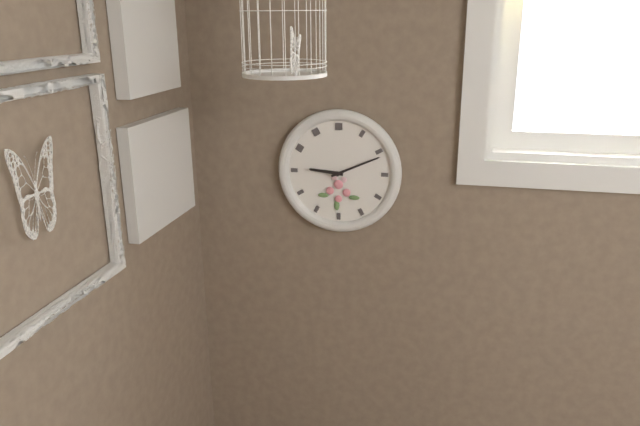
9:11
